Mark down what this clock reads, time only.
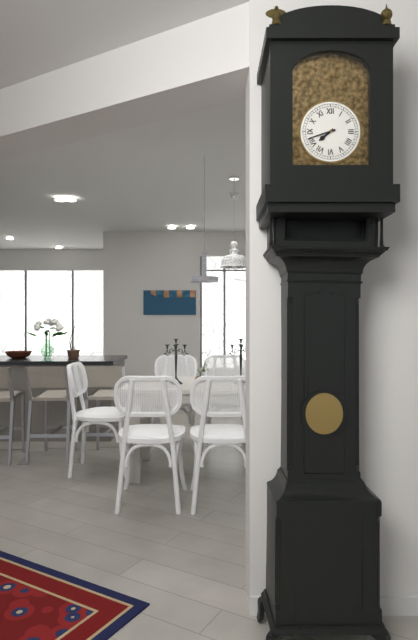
7:42
